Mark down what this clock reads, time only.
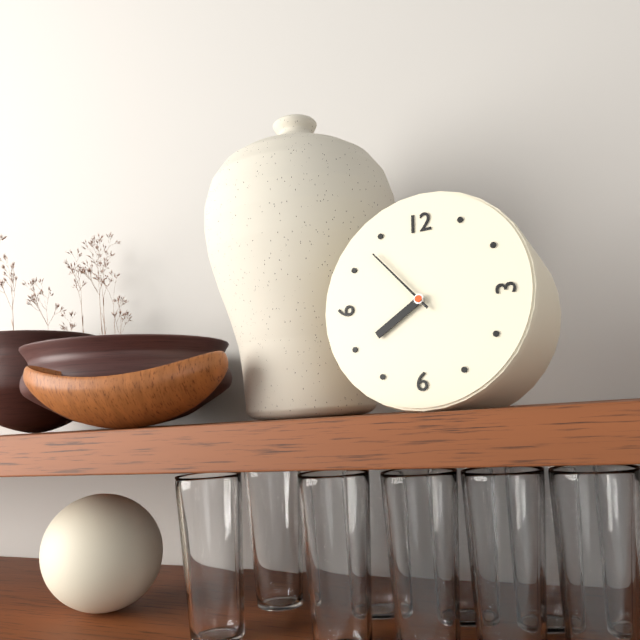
7:53
